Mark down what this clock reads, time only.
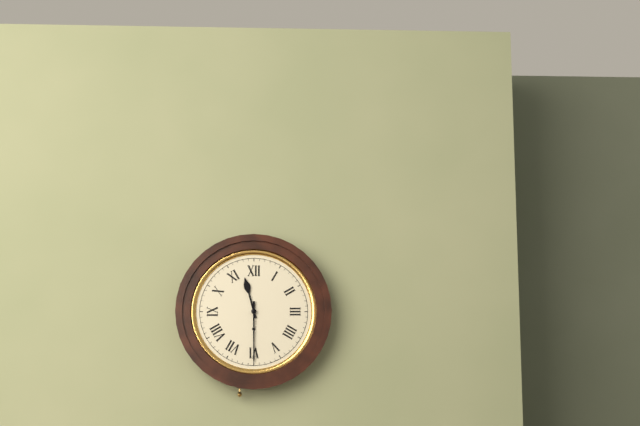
11:30
